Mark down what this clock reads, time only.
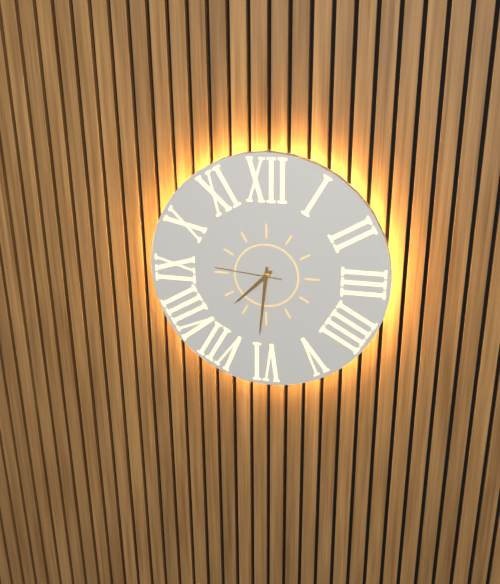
7:31:46
